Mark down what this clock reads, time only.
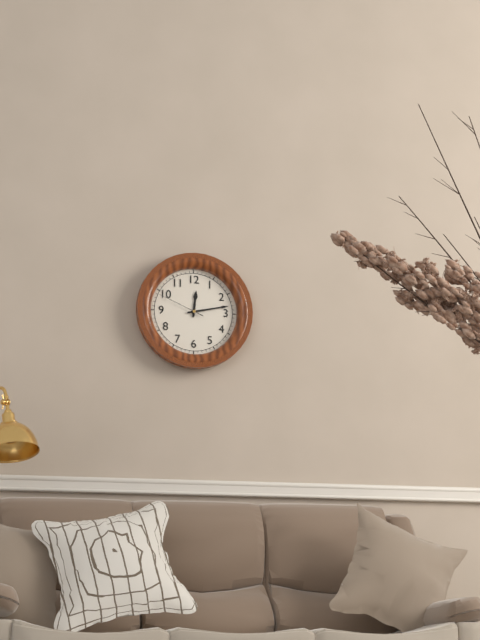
12:13
